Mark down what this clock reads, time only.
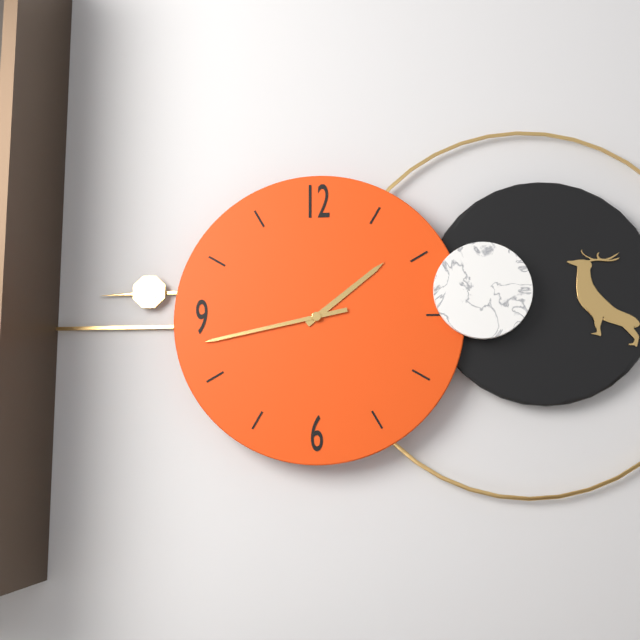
1:43
